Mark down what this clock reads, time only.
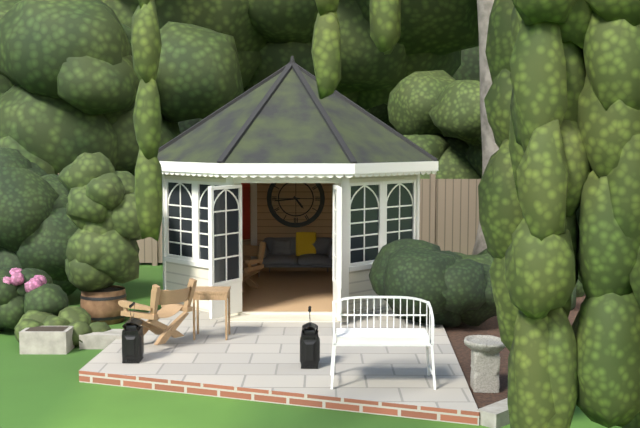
4:44
